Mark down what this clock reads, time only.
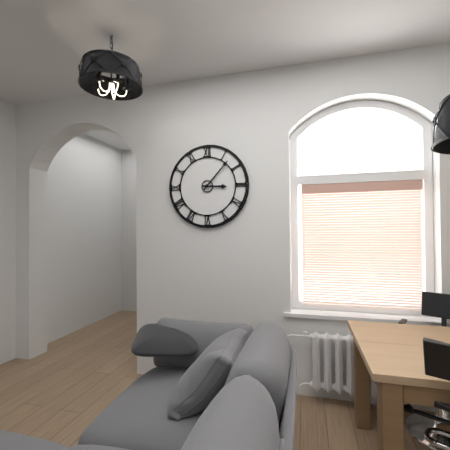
3:07
